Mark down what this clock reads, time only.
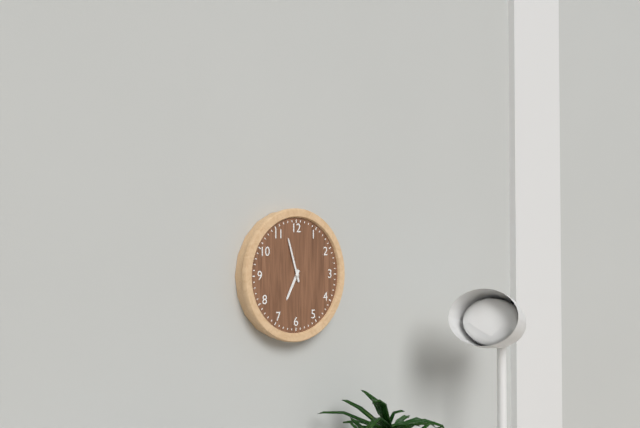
6:57
